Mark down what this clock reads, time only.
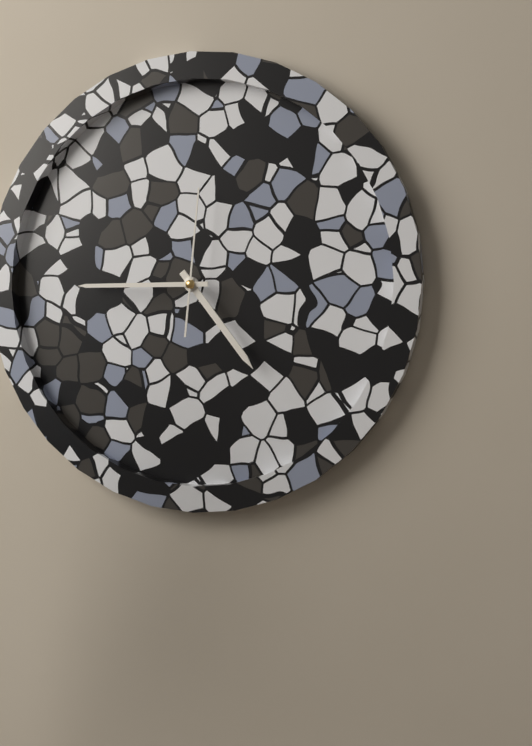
4:45:01
